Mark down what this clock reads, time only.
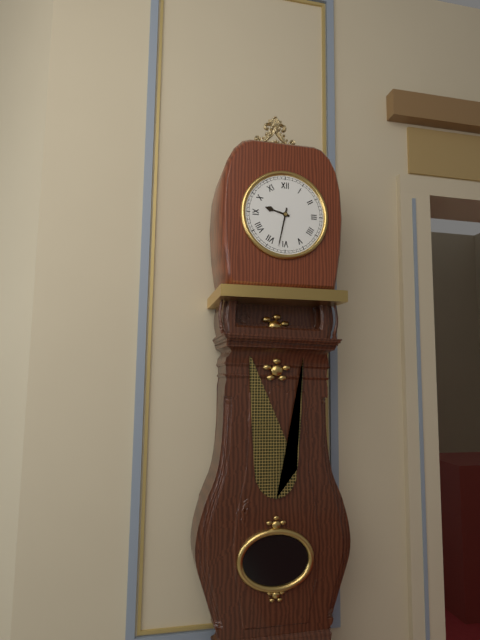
9:32
